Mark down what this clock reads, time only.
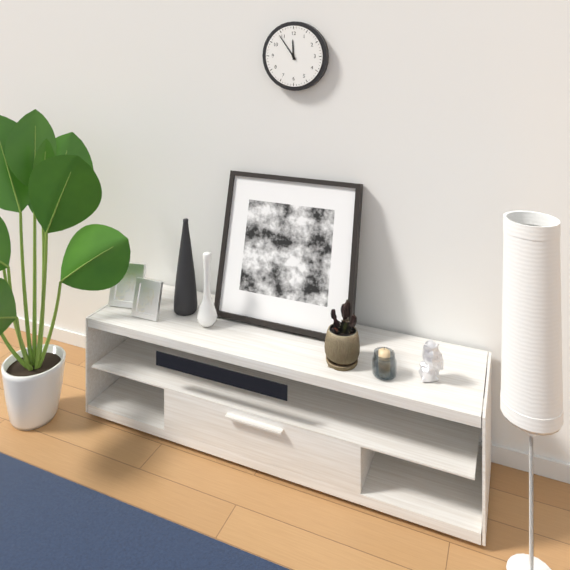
11:54
